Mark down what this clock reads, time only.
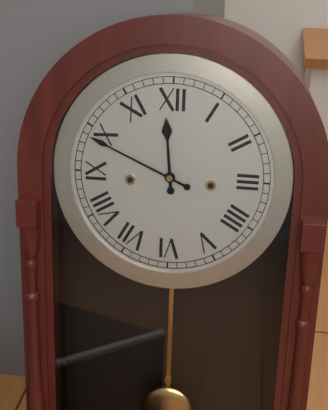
11:49
